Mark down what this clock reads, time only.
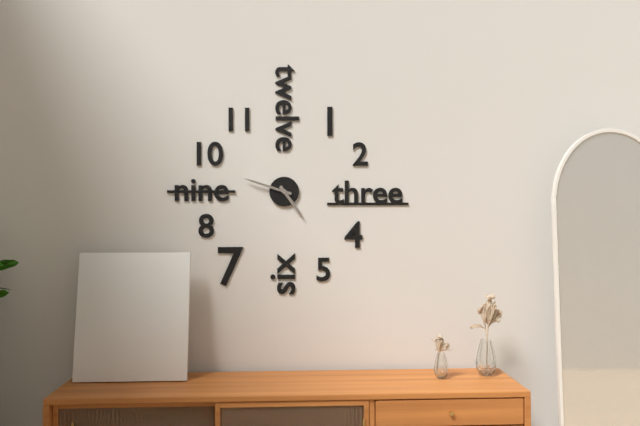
4:48
